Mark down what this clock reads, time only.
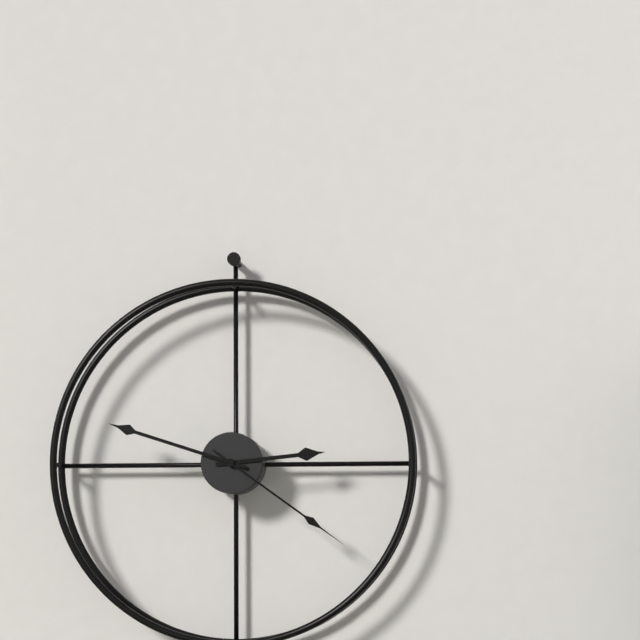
2:48:21
